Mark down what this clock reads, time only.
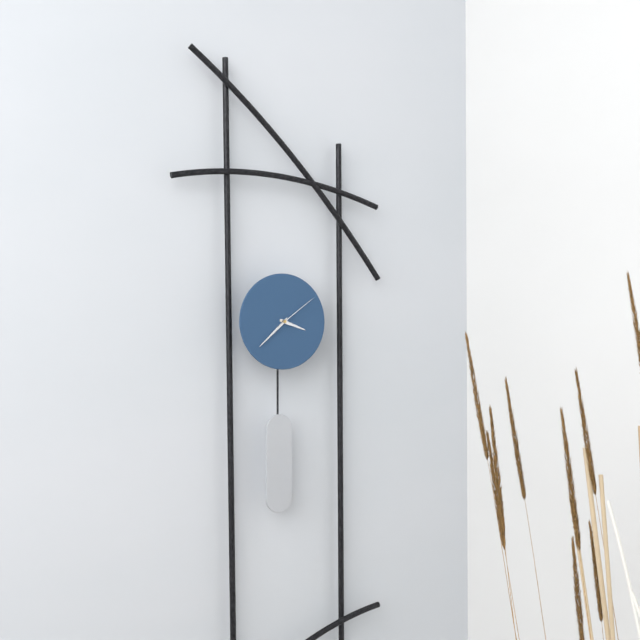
3:38
